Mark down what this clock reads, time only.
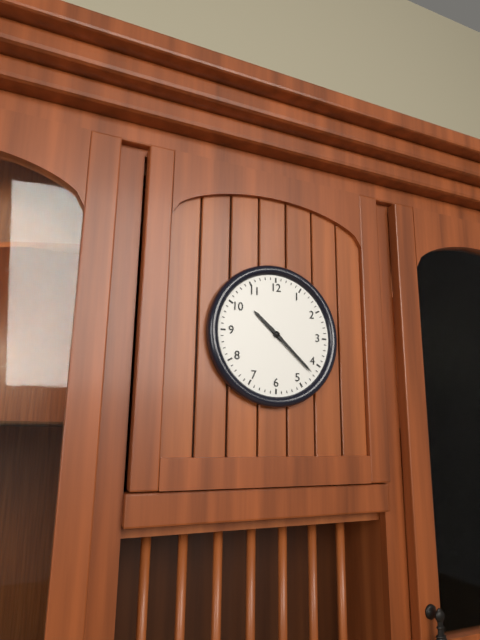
10:22
